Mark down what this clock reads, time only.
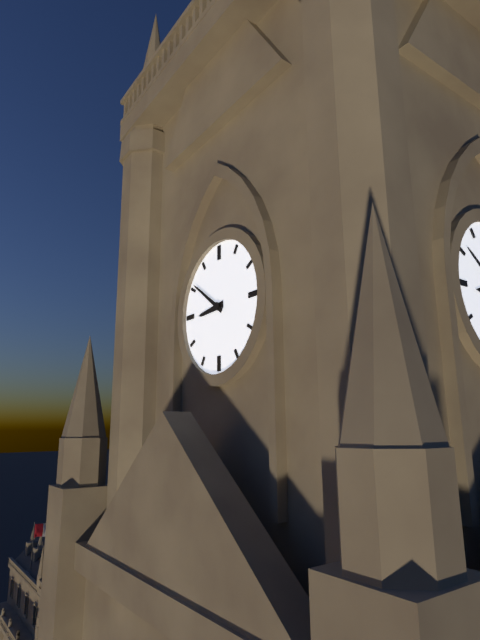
8:51
